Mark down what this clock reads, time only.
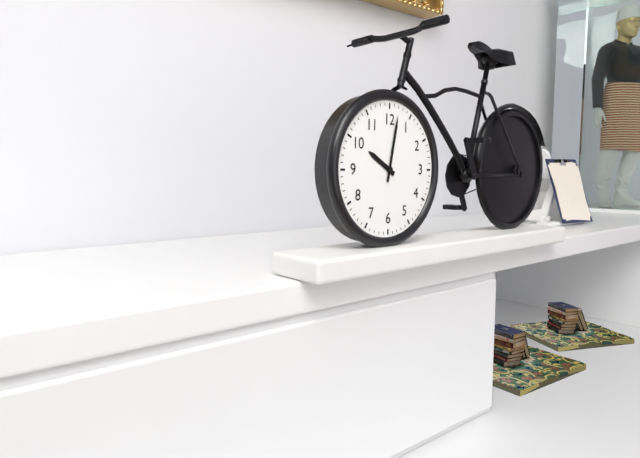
10:02
